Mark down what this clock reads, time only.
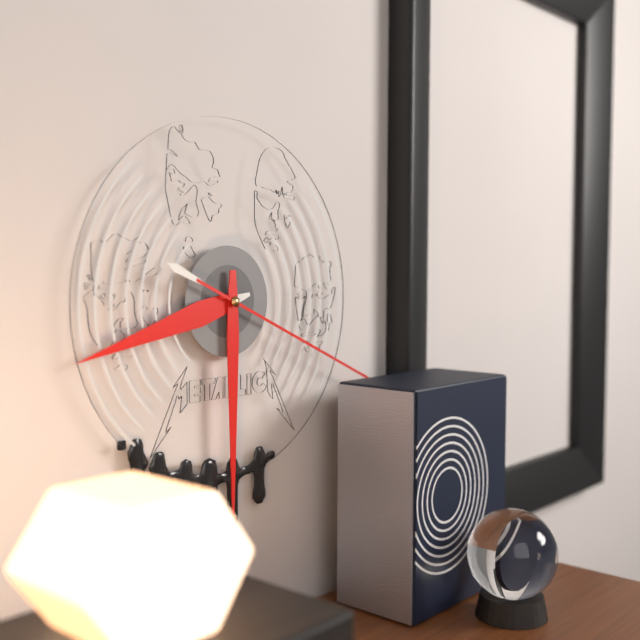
8:30:19
